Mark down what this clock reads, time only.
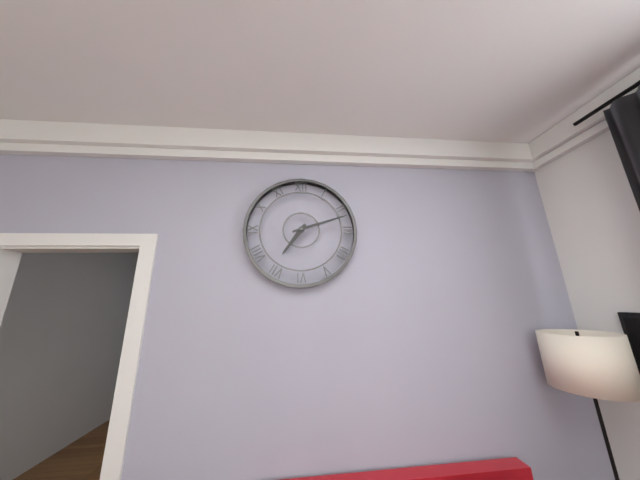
7:12
